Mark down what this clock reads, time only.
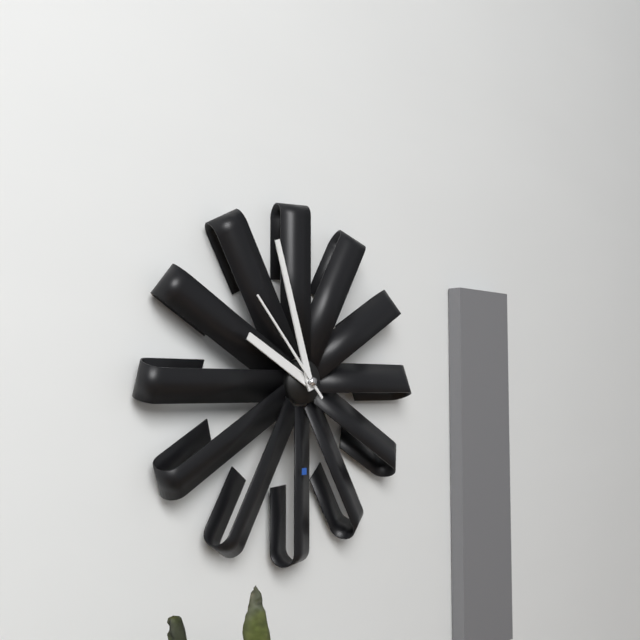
9:57:53
